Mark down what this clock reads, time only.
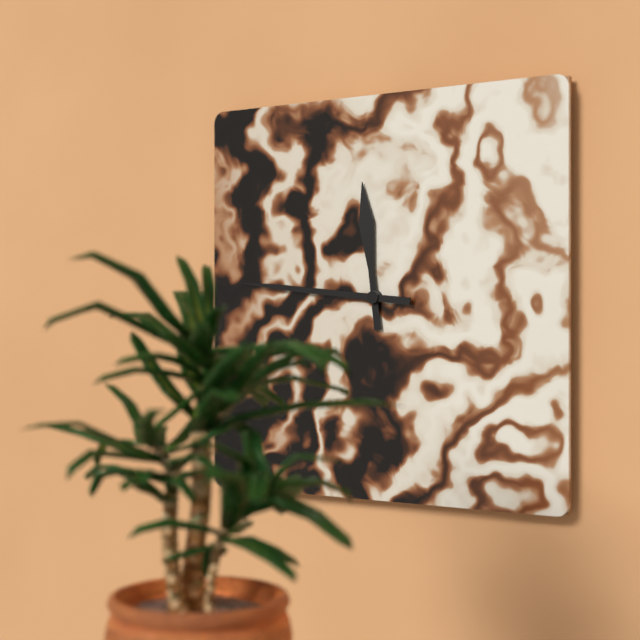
11:46
